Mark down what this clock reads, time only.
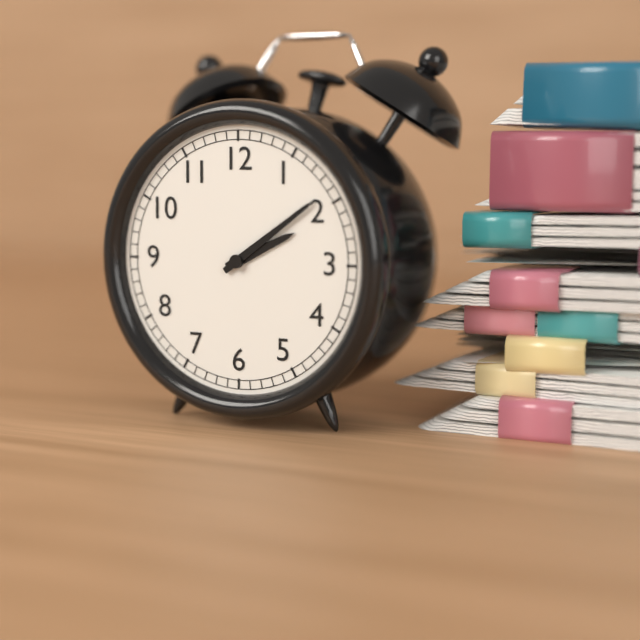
2:09
